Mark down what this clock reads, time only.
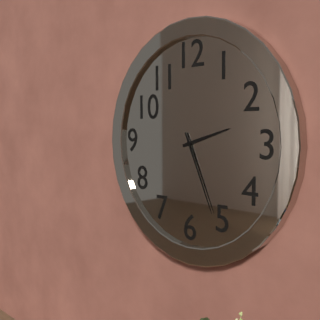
2:26
